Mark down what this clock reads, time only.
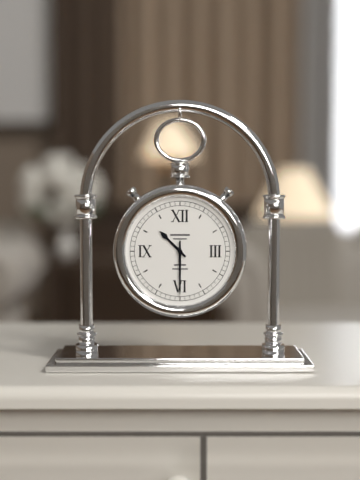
10:30
